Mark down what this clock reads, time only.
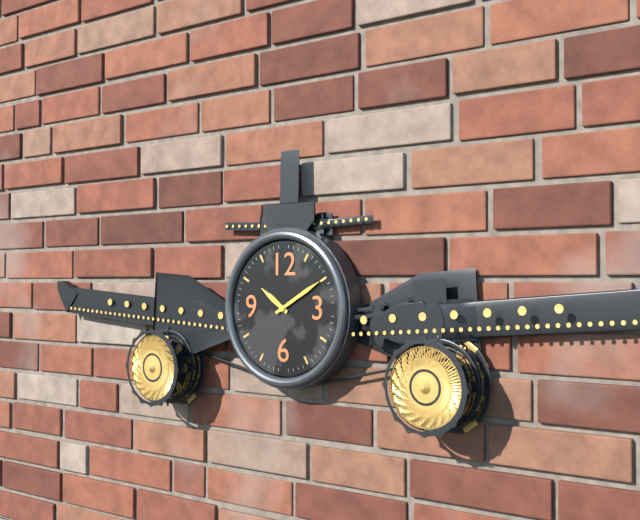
10:10
